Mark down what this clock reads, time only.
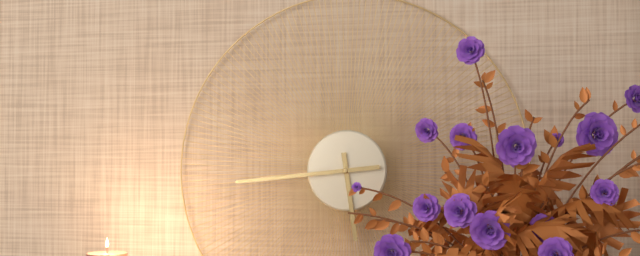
5:44
